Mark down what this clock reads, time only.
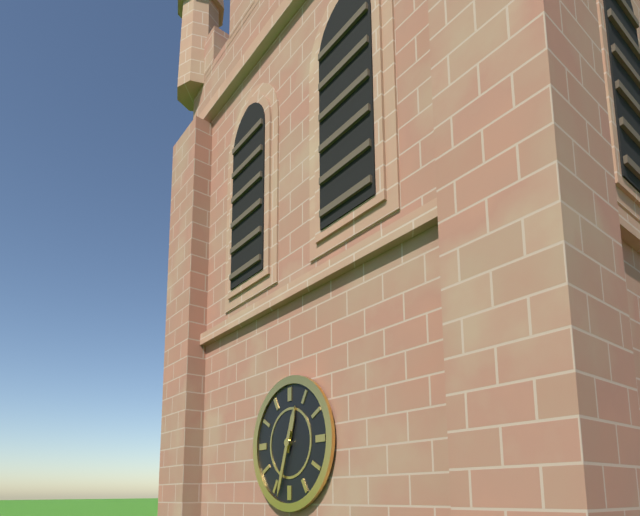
12:33
